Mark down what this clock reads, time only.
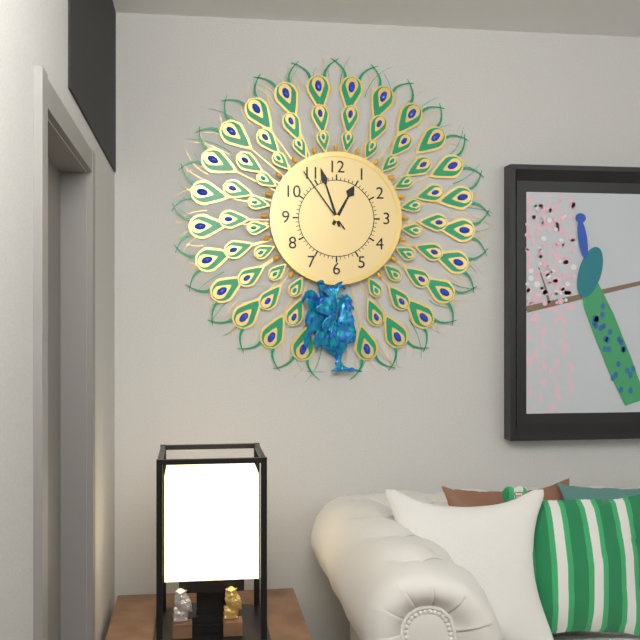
12:57:54
